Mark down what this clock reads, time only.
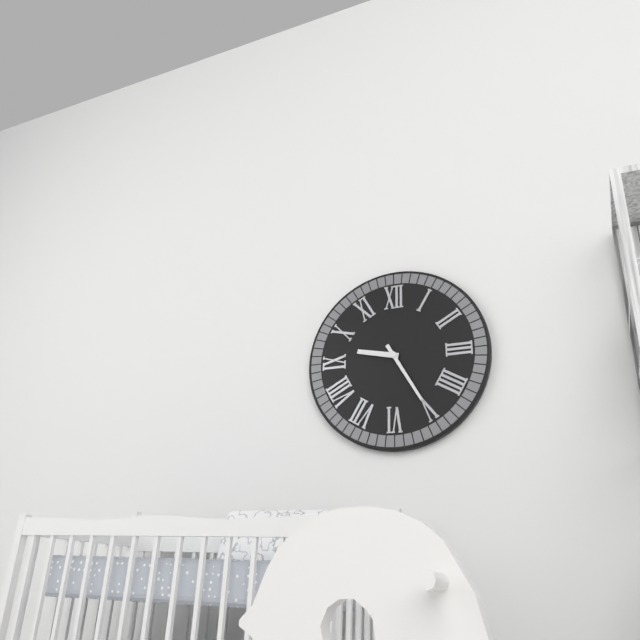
9:25
